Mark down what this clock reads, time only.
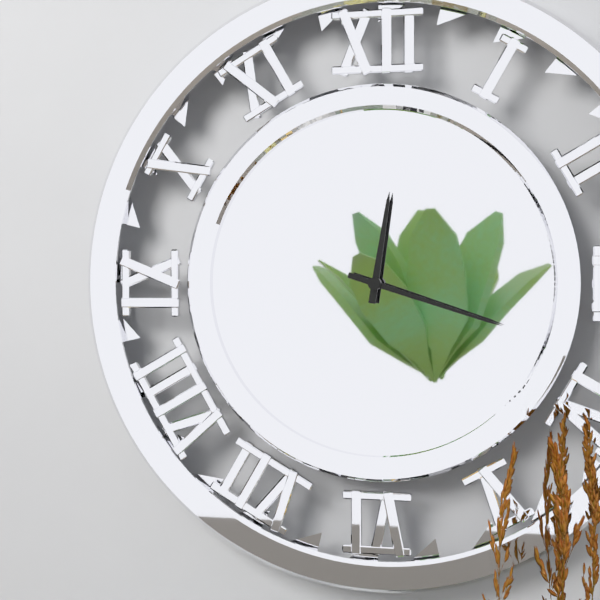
12:18
